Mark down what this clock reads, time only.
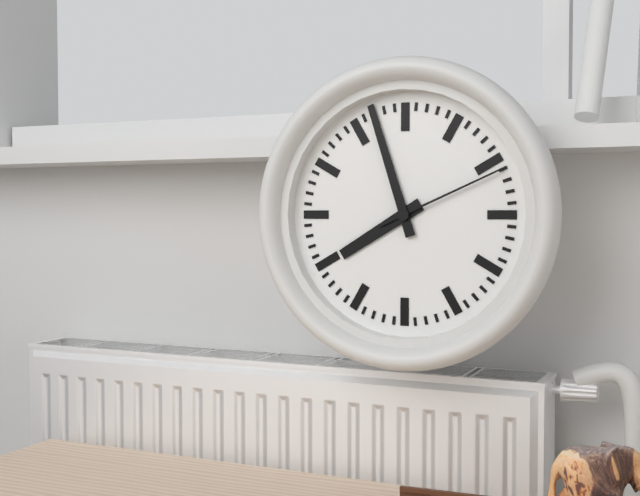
7:57:11
